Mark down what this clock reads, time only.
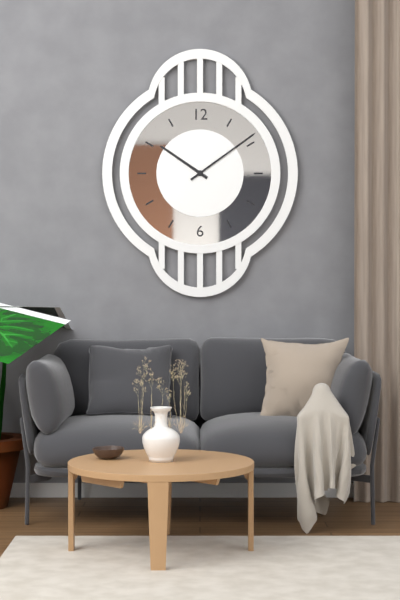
10:09
